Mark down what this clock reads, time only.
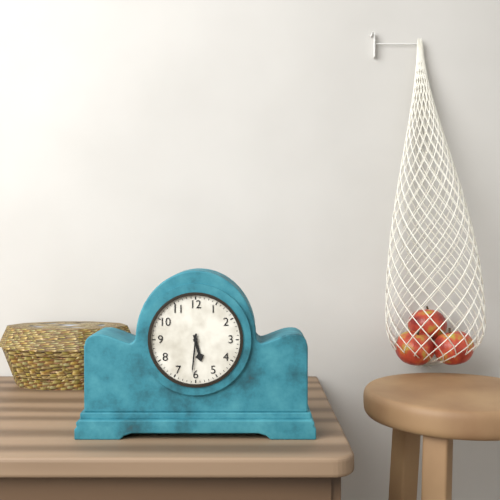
5:31
